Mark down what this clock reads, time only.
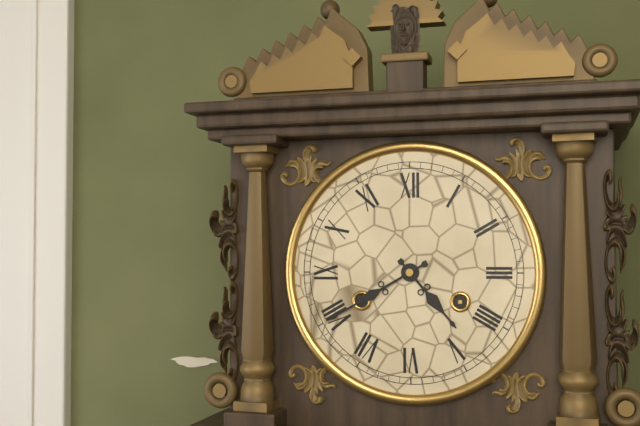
4:40
